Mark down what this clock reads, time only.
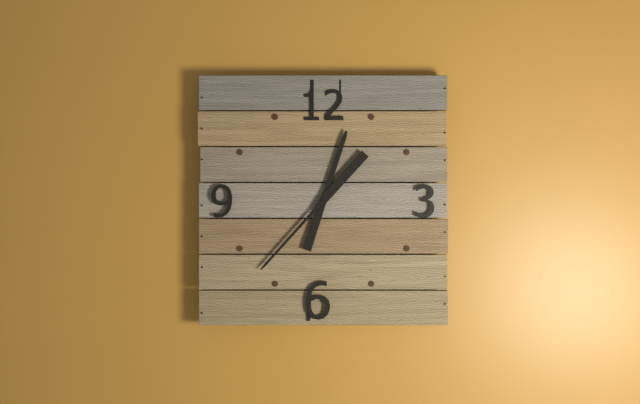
12:37
